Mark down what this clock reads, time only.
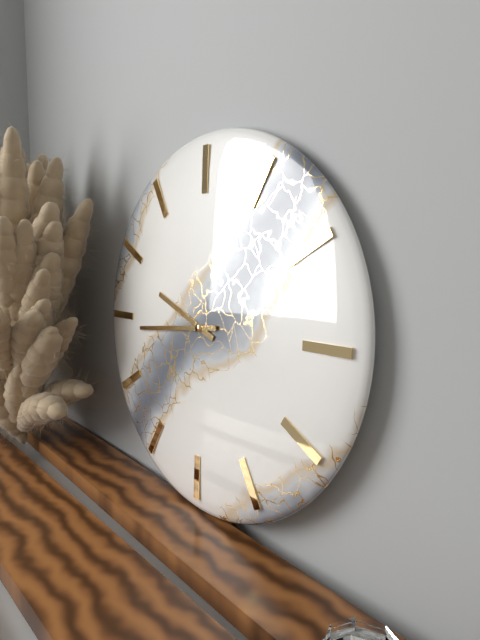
9:44
